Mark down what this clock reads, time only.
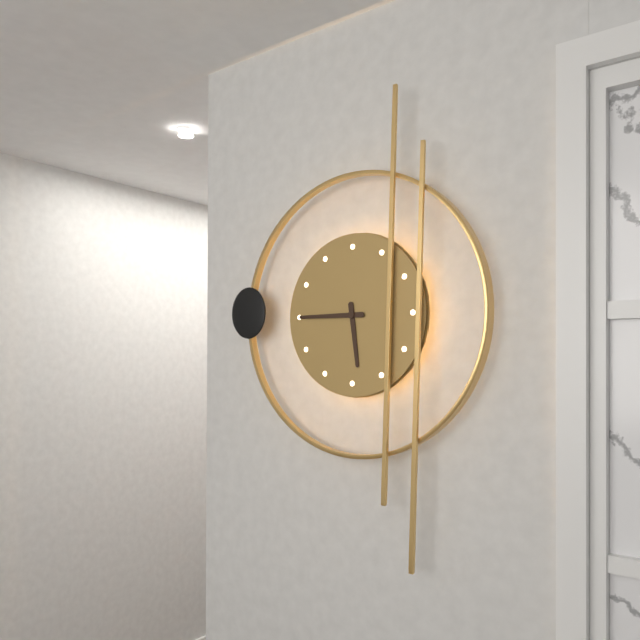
5:45
